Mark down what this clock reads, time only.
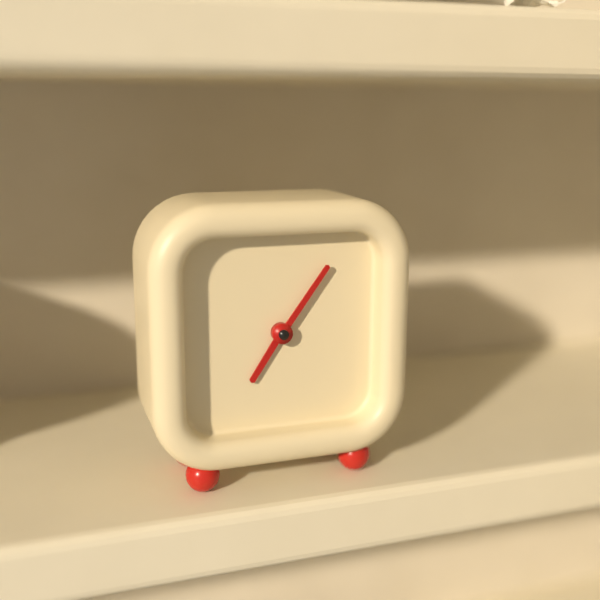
7:06
